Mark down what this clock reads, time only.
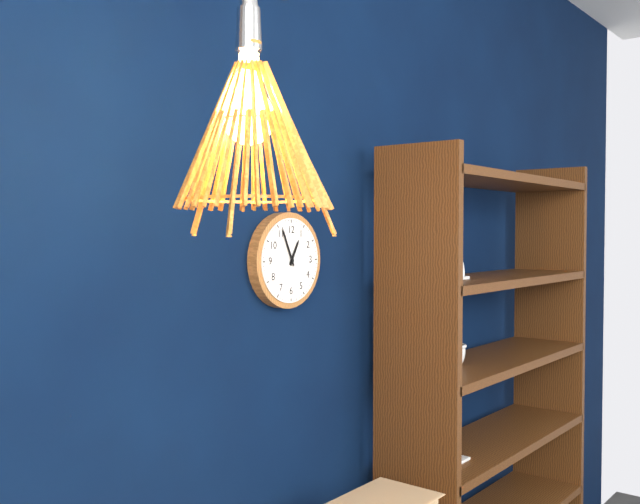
12:56
